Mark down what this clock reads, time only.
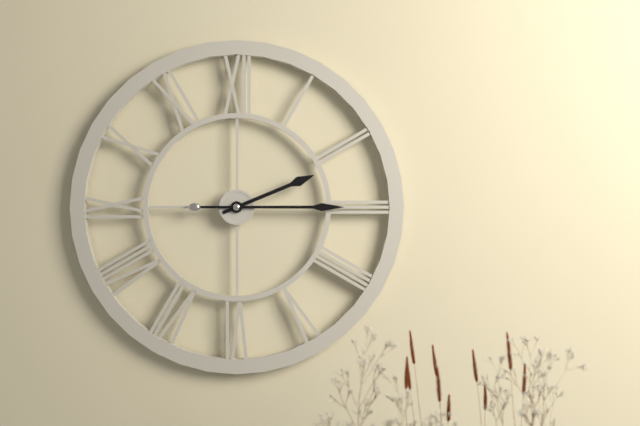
2:15
